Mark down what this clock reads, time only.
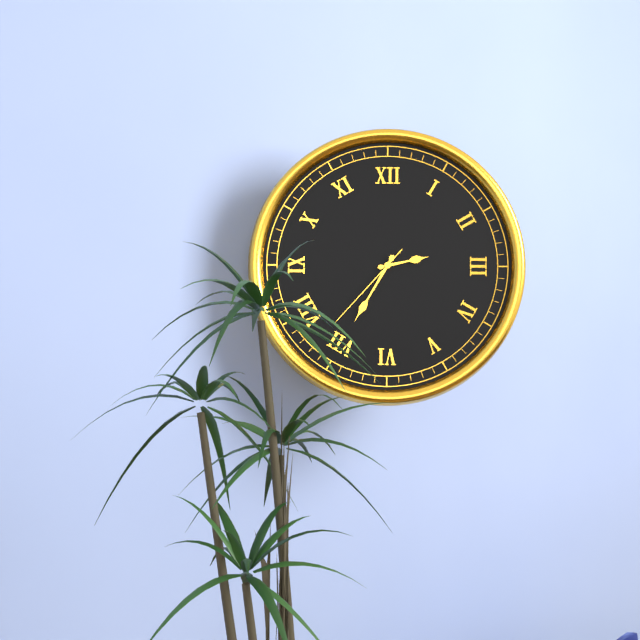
2:35:37
